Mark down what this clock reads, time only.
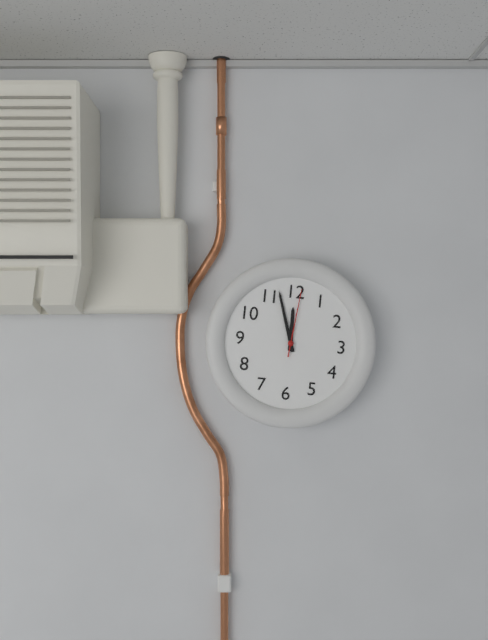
11:57:01
